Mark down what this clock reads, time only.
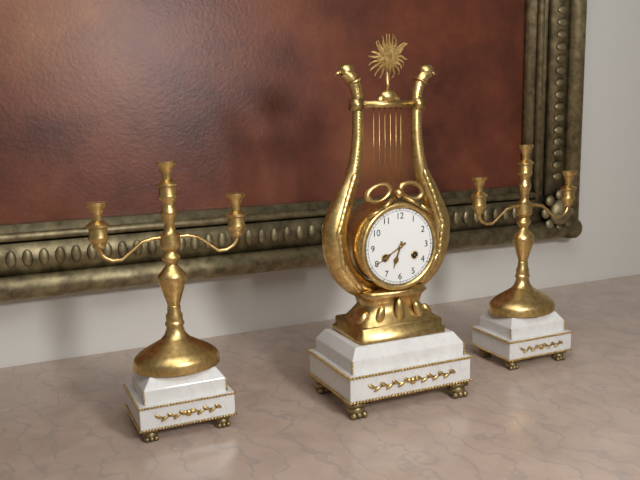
6:40
